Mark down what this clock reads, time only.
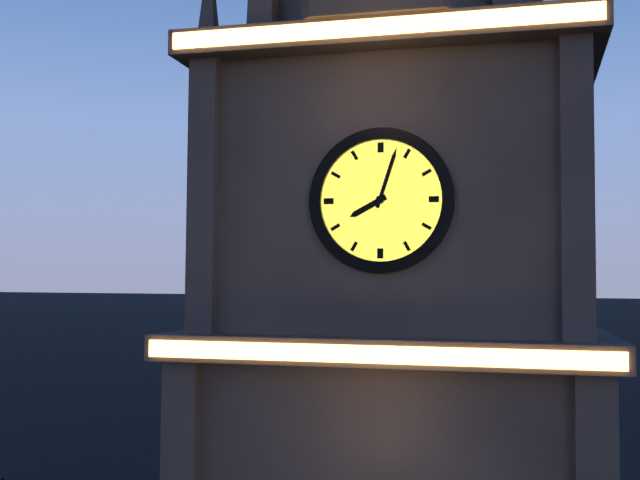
8:03
